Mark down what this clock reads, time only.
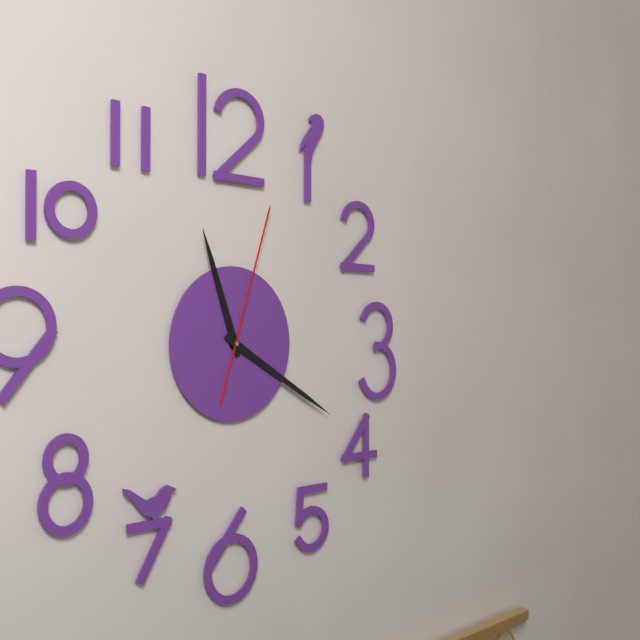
11:20:03
